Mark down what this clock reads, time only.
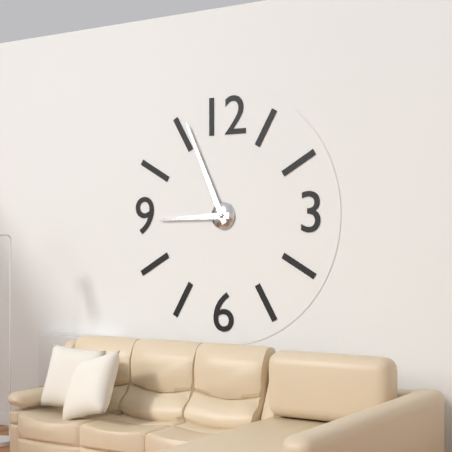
8:56
